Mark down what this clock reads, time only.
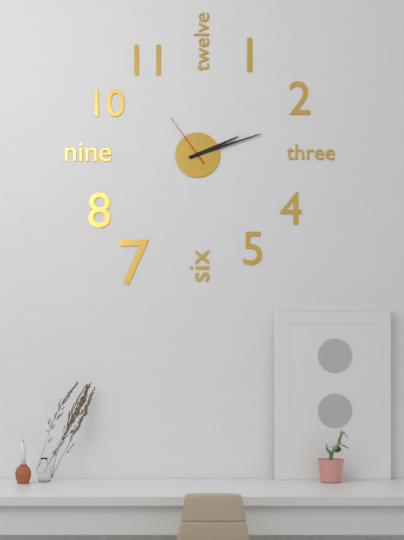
2:12:54
